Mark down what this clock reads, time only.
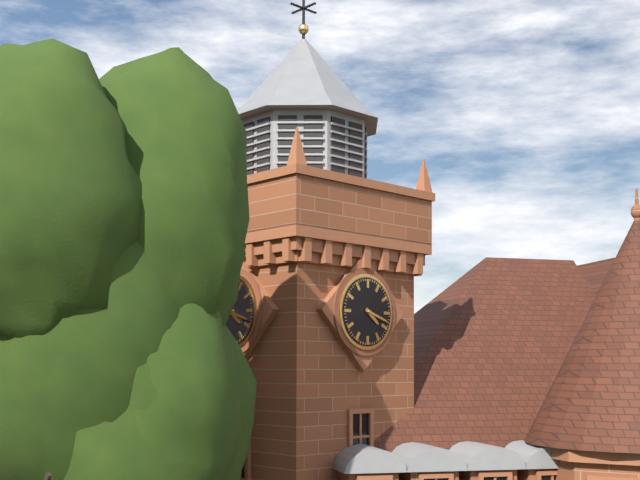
4:18
